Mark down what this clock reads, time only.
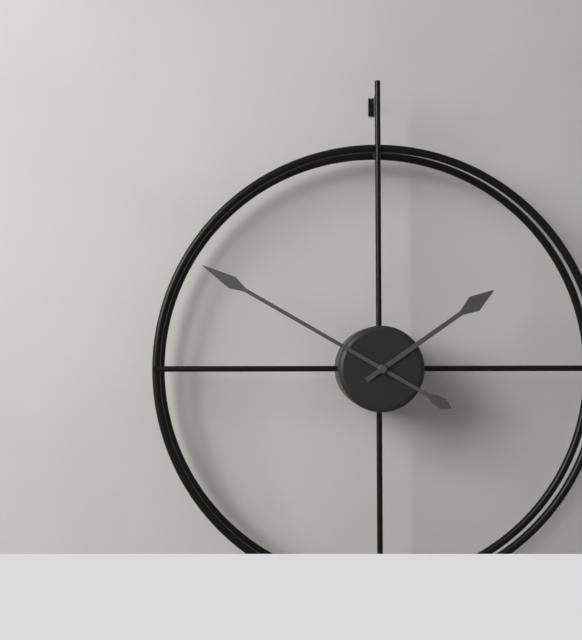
1:50
